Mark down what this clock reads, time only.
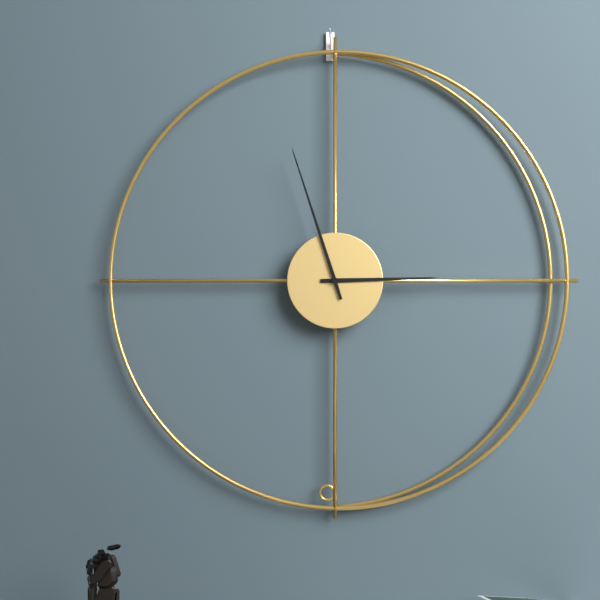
2:57
